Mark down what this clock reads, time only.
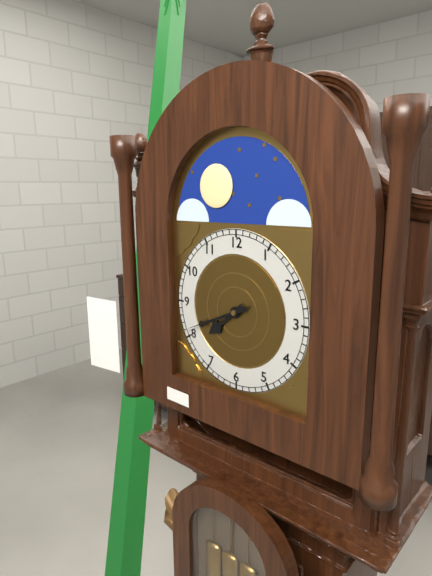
7:41
